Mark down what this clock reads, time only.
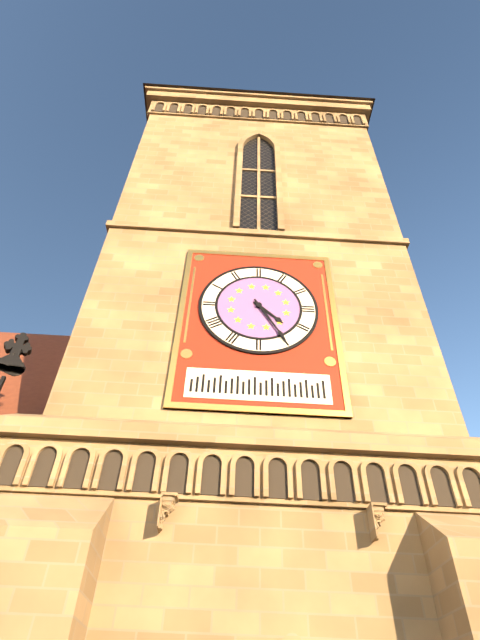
4:25
